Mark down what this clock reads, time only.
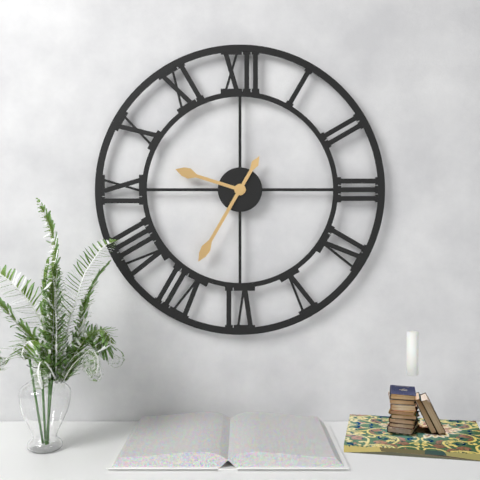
9:35
